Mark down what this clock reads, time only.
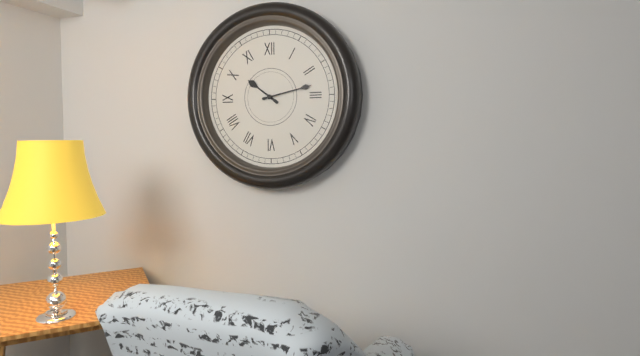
10:13
